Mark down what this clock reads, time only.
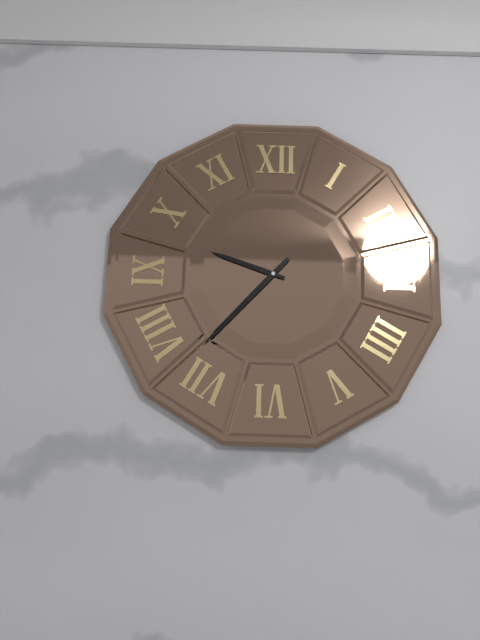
9:37
